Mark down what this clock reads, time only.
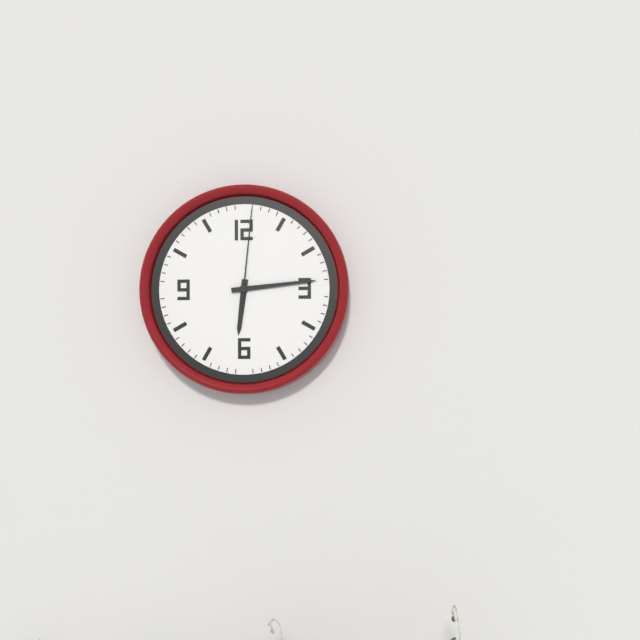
6:14:01
